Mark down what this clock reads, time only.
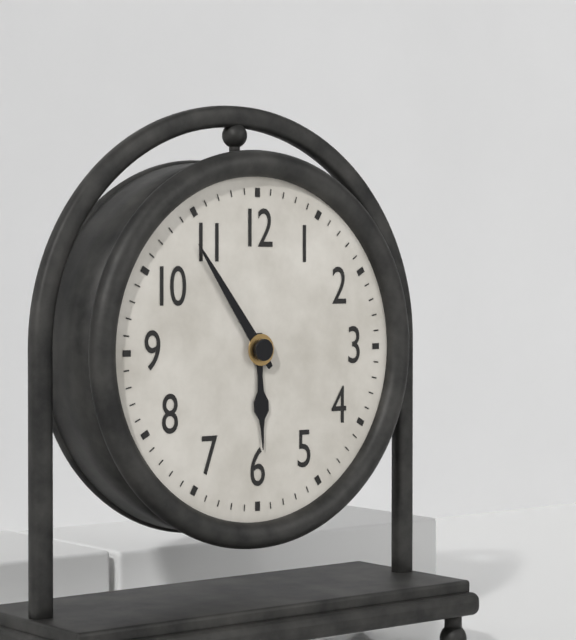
5:54
